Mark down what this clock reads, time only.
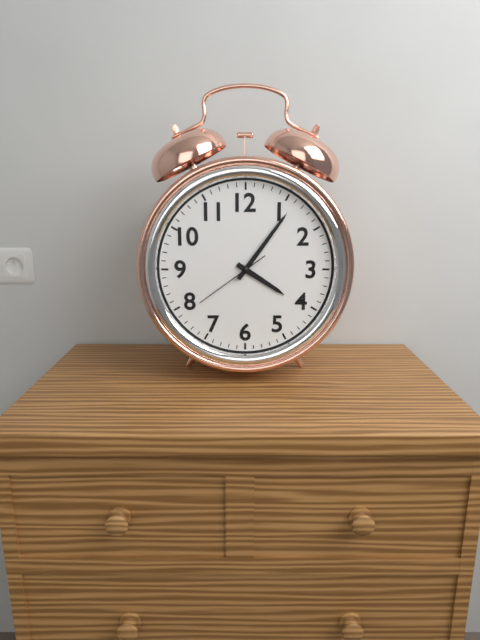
4:06:39
